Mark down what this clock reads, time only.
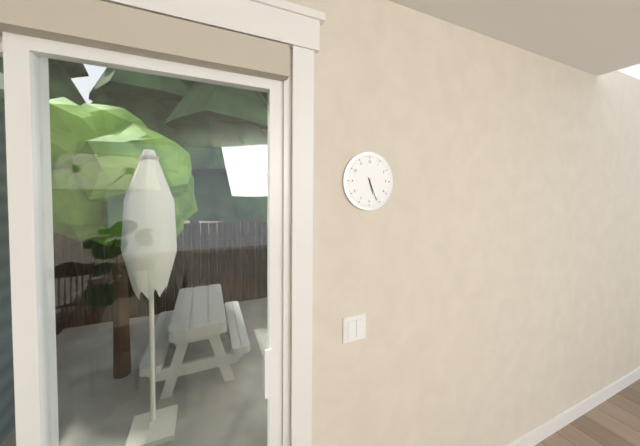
5:26
